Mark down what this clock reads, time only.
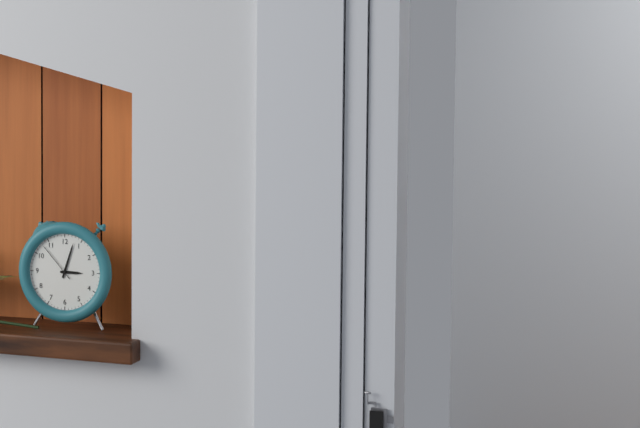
3:03
